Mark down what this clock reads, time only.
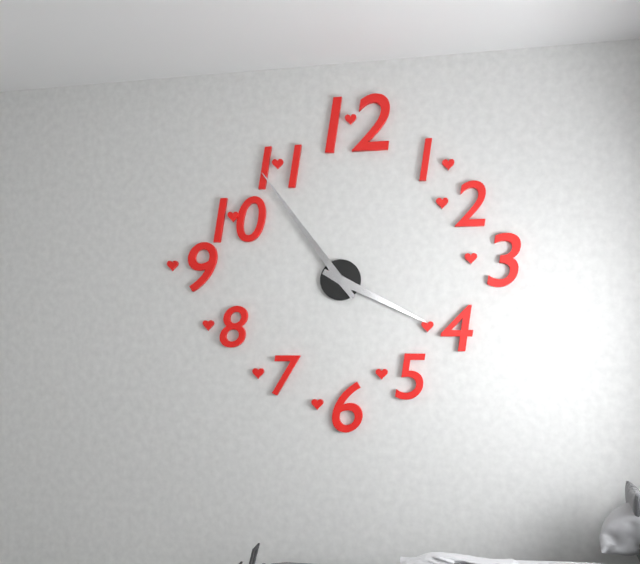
3:54
